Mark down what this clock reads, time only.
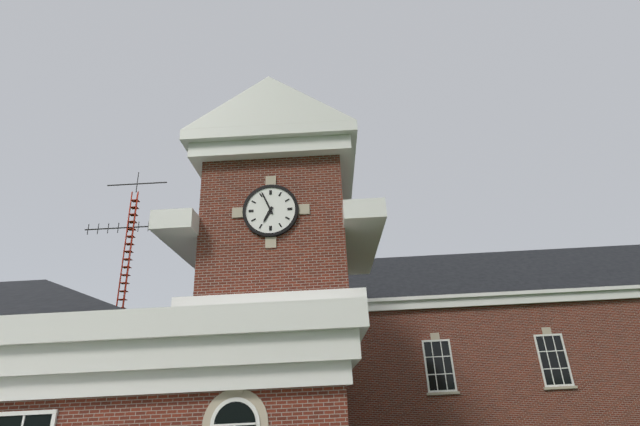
6:56
